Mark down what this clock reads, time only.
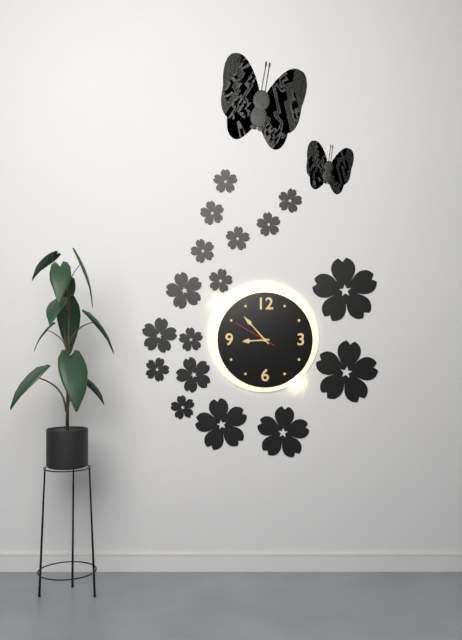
8:53
